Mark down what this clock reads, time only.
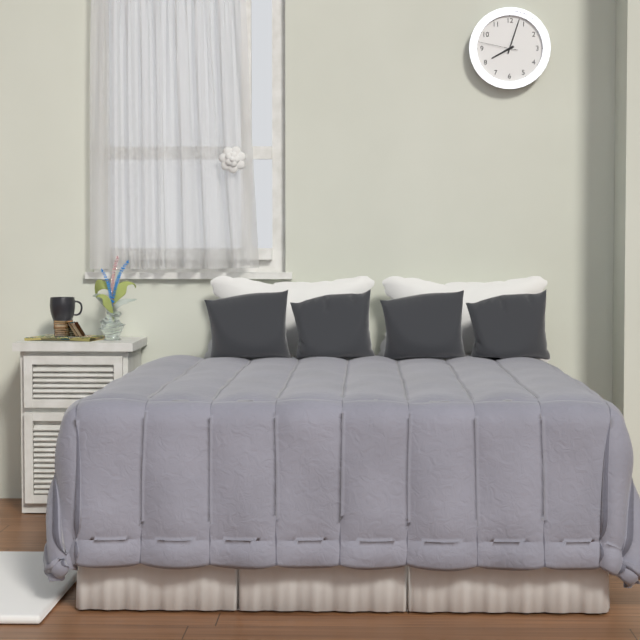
8:03
